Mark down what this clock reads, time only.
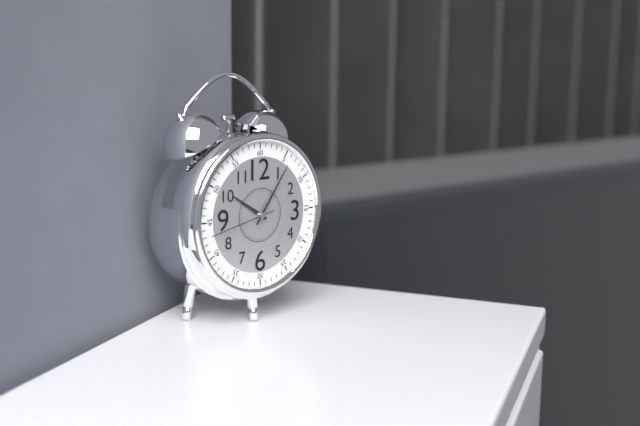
10:06:43
